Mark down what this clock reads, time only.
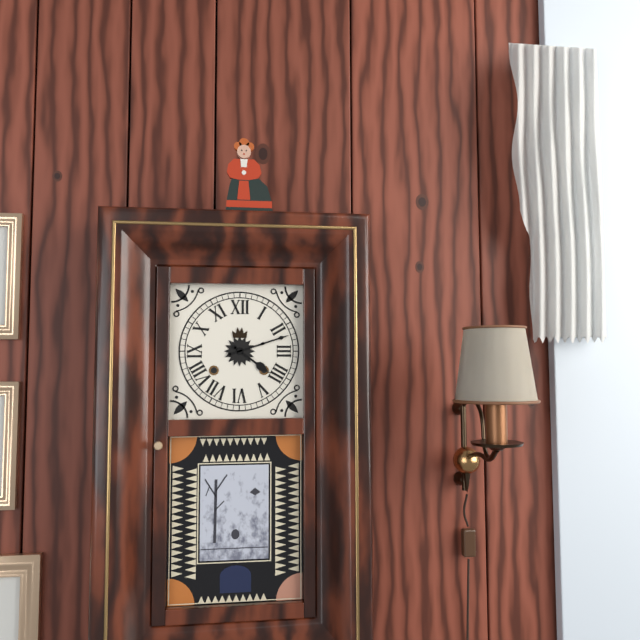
4:12
